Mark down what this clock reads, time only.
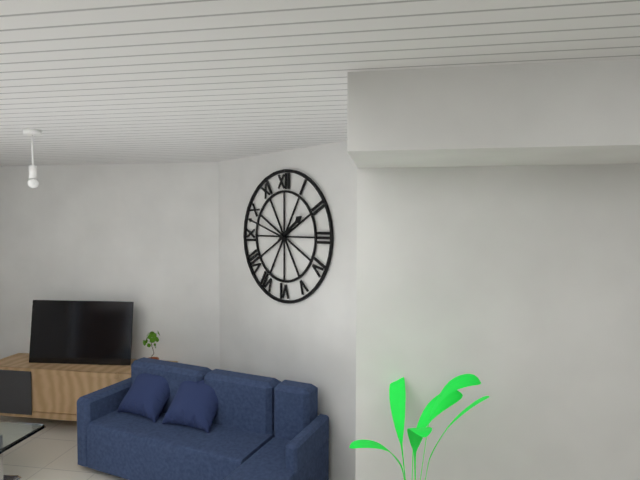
1:48
